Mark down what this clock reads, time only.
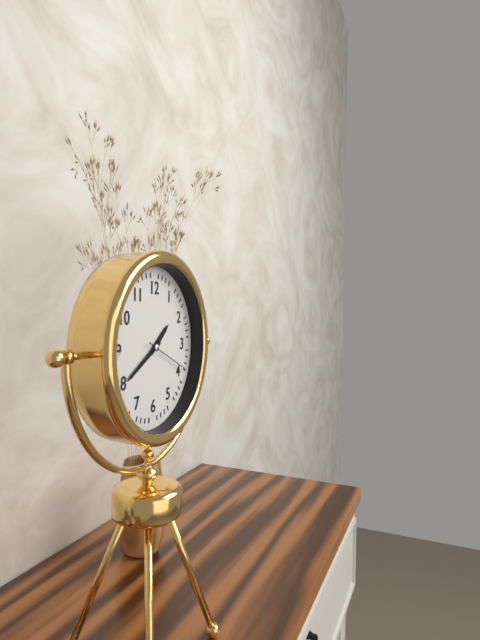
1:40
